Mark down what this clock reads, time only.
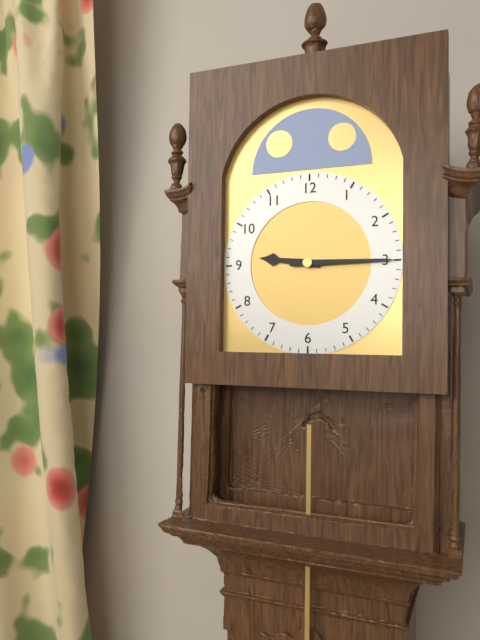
9:15
